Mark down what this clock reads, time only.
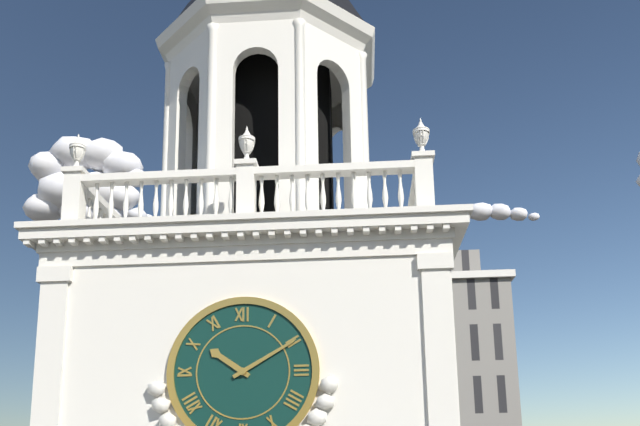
10:10
